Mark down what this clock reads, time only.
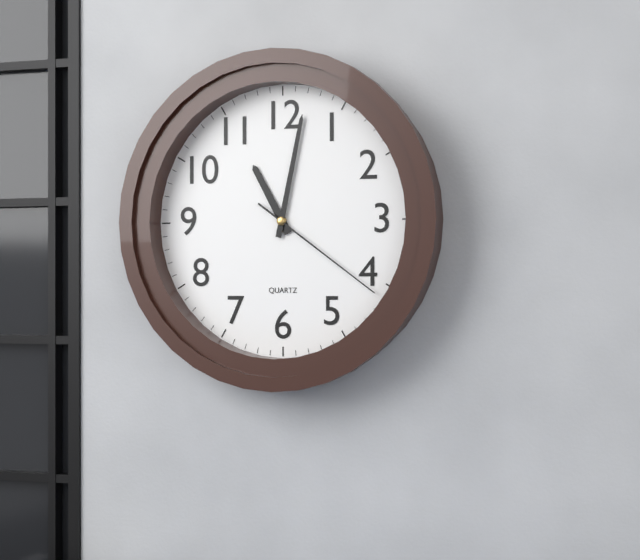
11:02:21
